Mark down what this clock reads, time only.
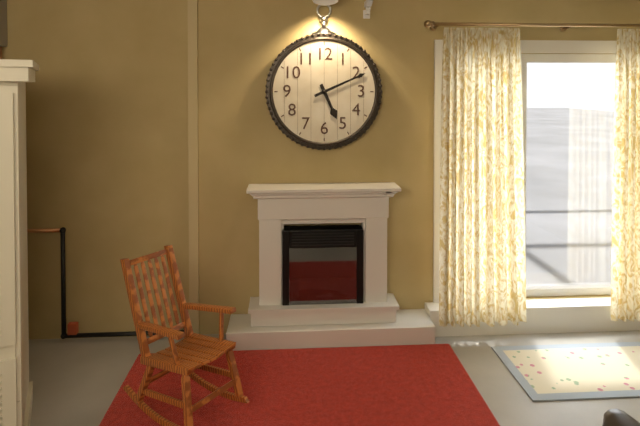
5:11
